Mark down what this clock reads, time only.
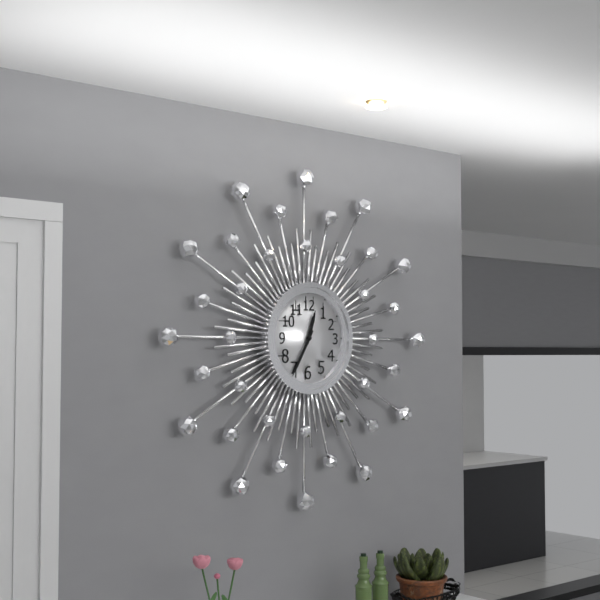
12:35
